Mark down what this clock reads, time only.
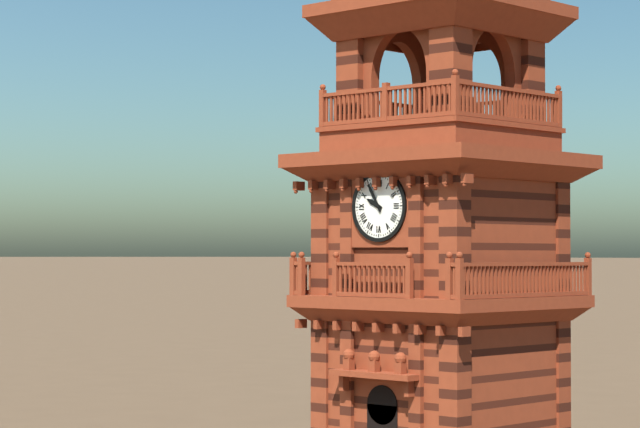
9:55
